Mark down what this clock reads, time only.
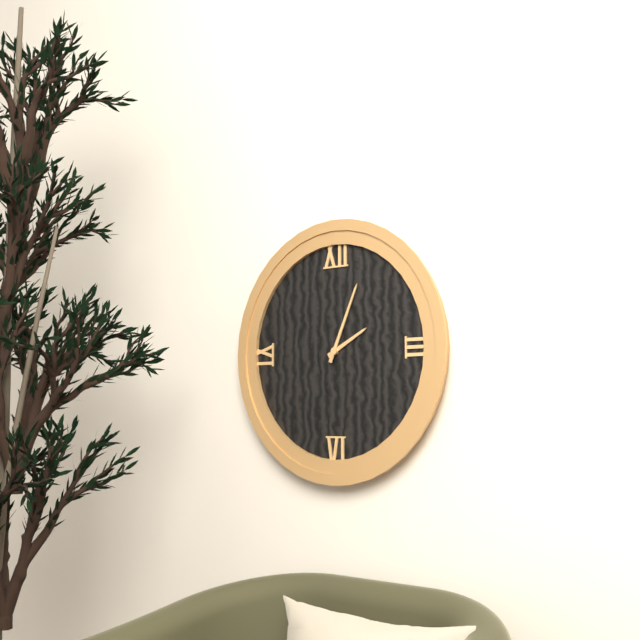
2:04
